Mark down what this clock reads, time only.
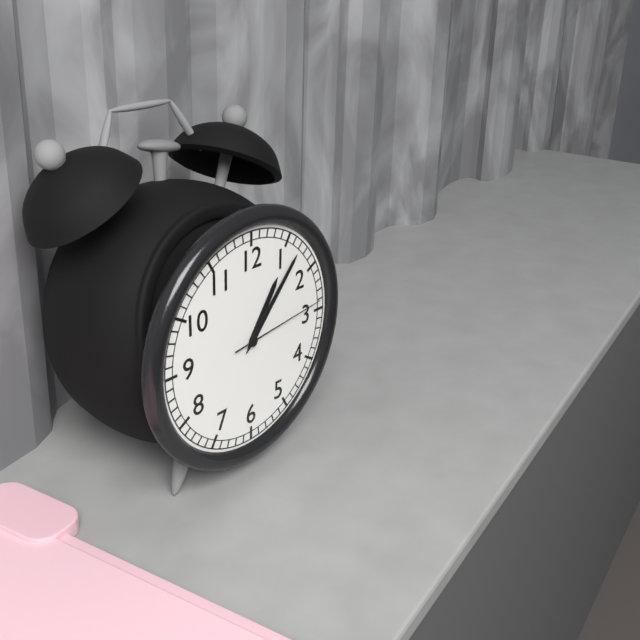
1:07:14
